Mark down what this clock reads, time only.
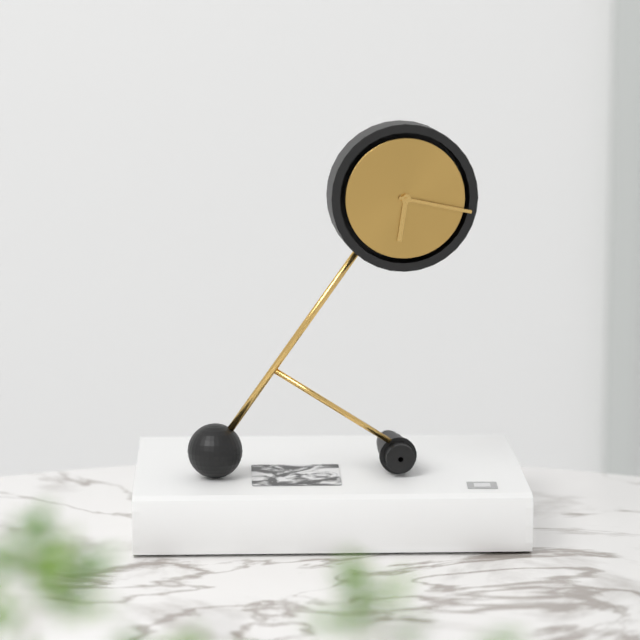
6:17
